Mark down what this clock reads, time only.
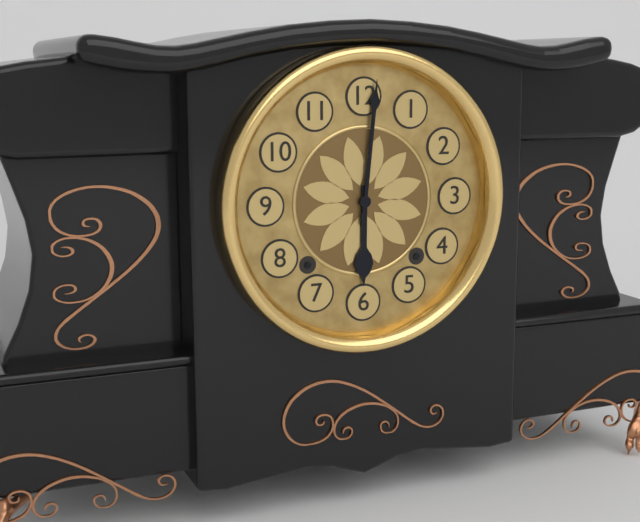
6:01
